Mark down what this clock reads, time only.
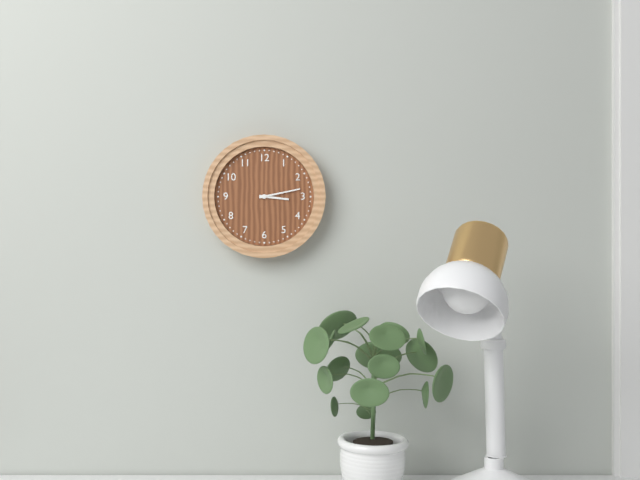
3:13
